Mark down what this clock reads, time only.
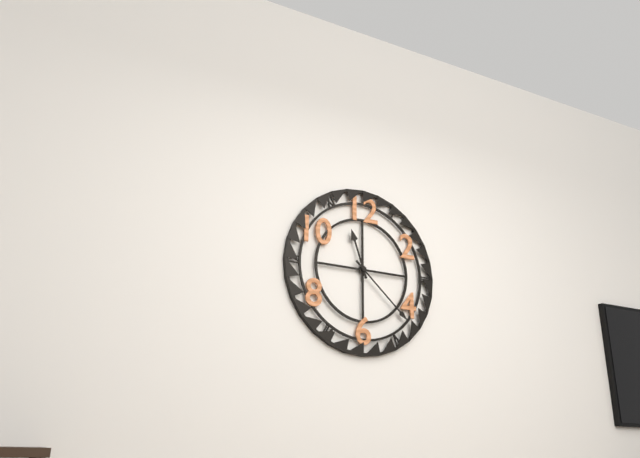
11:22
